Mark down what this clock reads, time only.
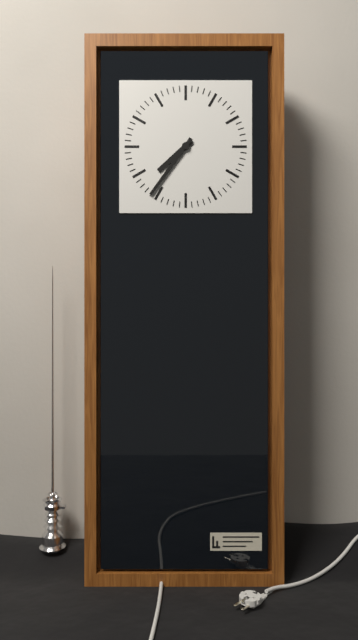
7:36
